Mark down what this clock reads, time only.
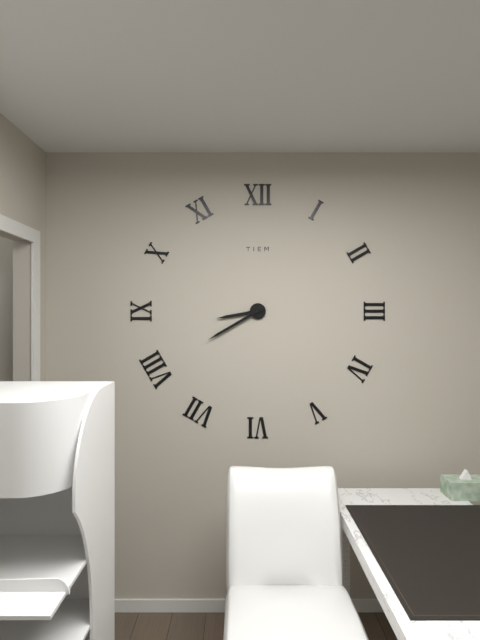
8:40
